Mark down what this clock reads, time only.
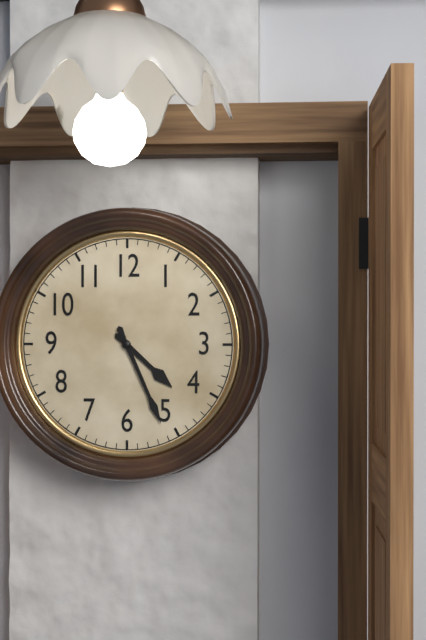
4:26
